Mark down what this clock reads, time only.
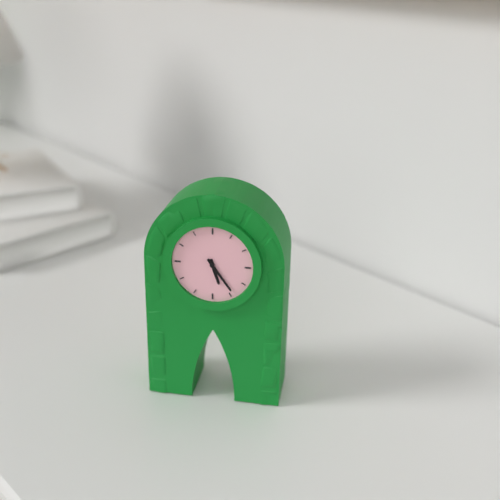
5:24
